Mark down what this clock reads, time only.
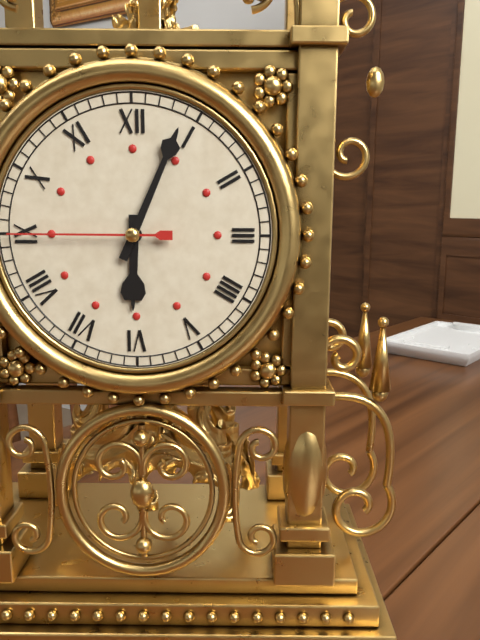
6:04:45
